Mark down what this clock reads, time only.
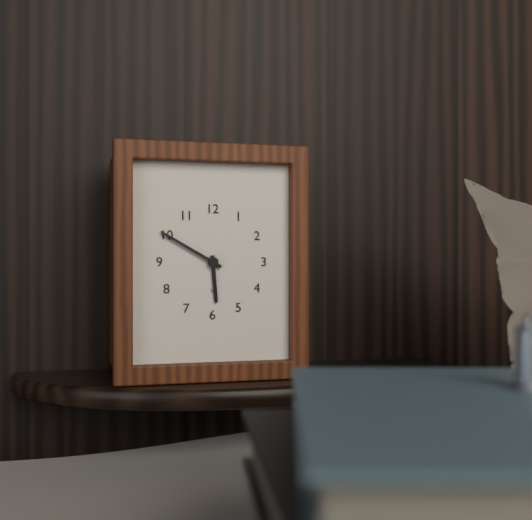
5:50
